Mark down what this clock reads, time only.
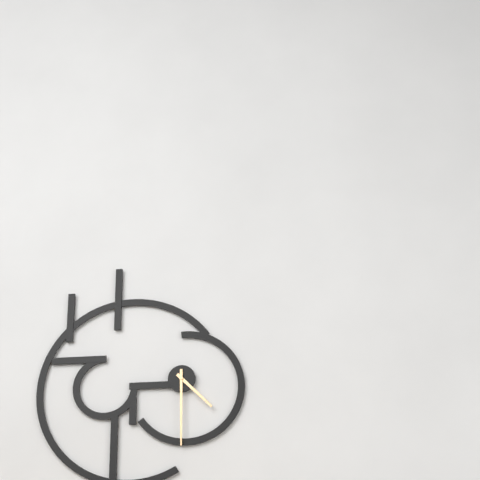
4:30
